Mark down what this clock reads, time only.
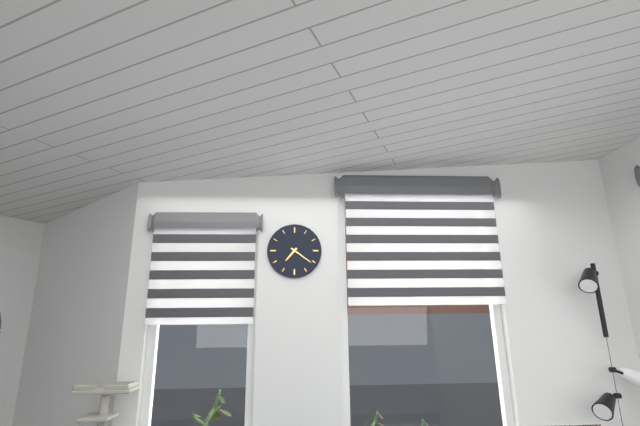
7:21
